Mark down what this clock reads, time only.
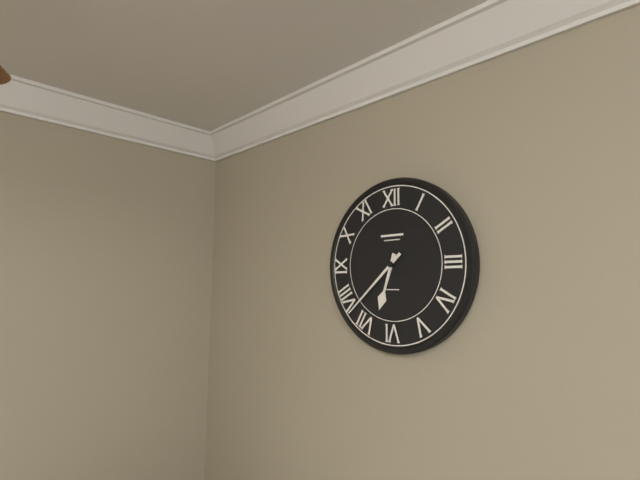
6:38
